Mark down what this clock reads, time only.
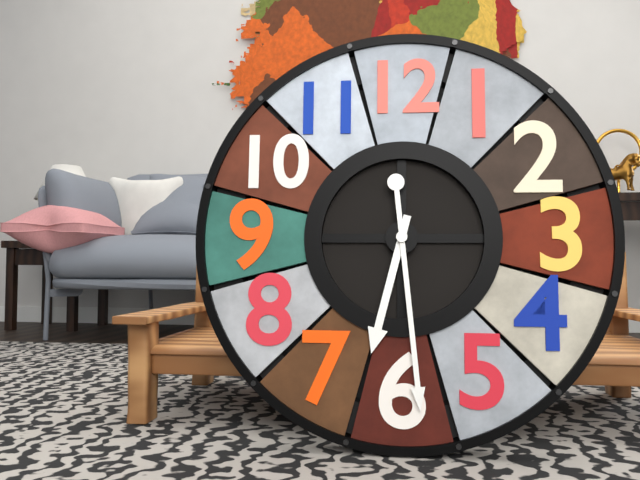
6:29
